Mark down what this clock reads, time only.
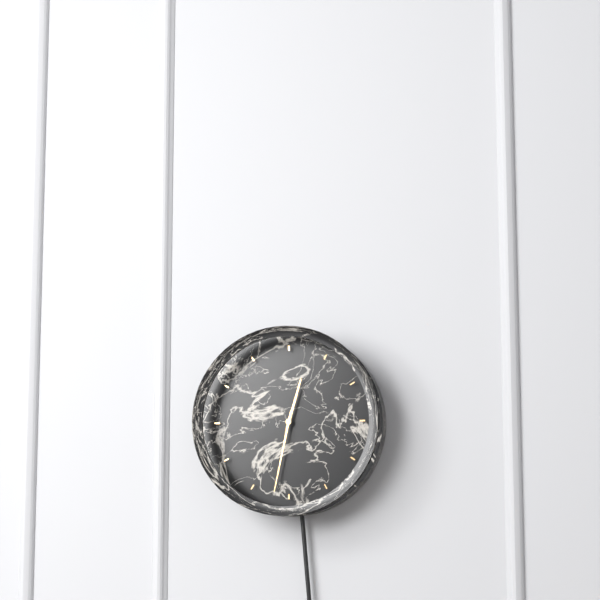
12:32
